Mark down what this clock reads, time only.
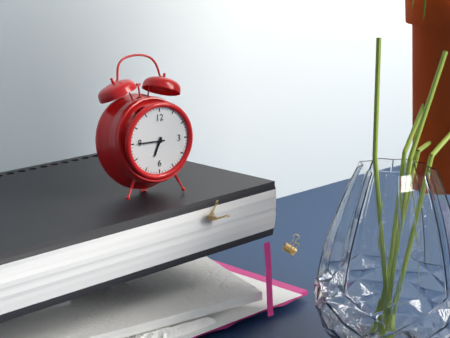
6:45
